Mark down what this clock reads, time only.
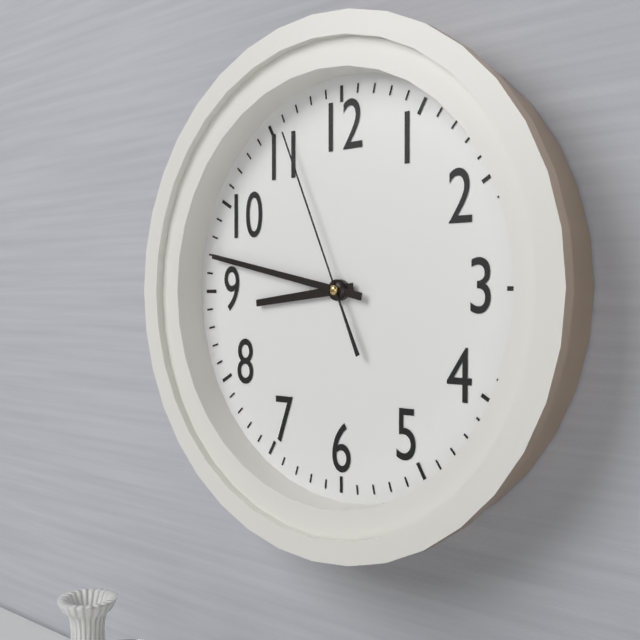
8:47:56
